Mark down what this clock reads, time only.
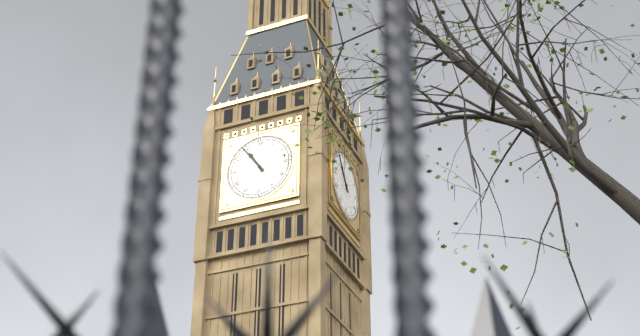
10:54
